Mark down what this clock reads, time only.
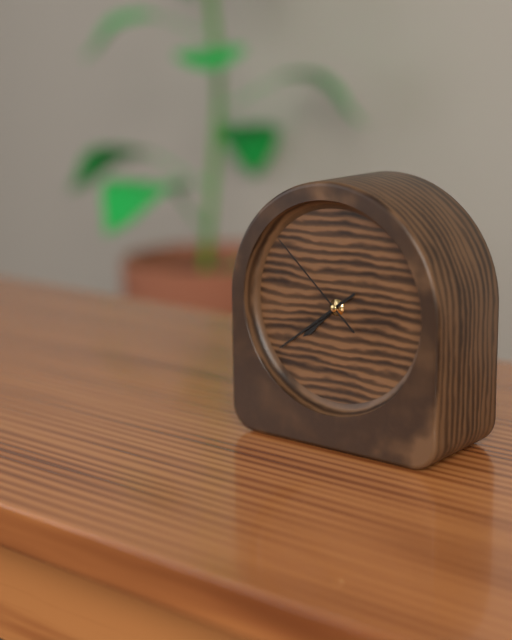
7:39:52
